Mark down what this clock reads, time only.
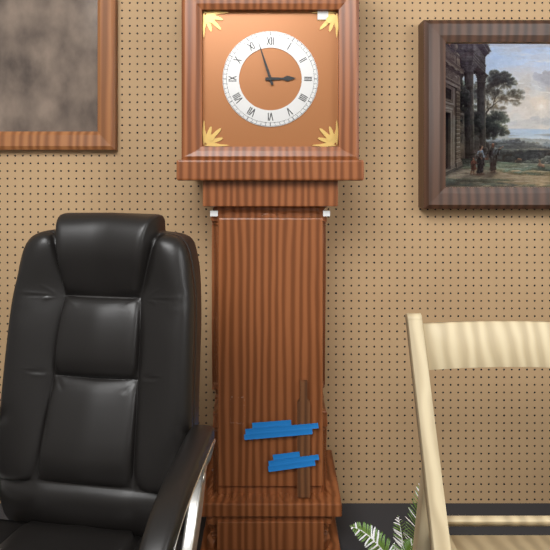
2:57
